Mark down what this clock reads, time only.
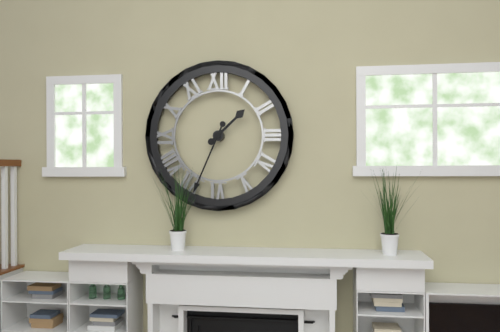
1:34
